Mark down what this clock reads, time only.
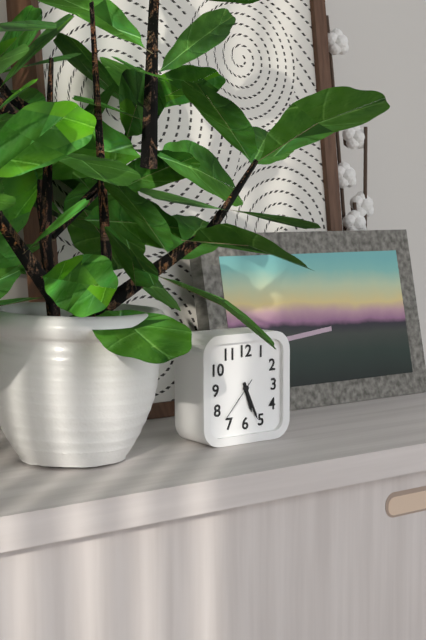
5:26
